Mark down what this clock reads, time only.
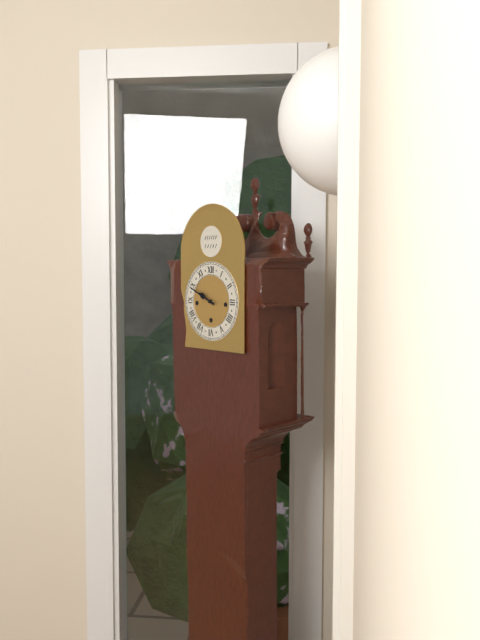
9:49
